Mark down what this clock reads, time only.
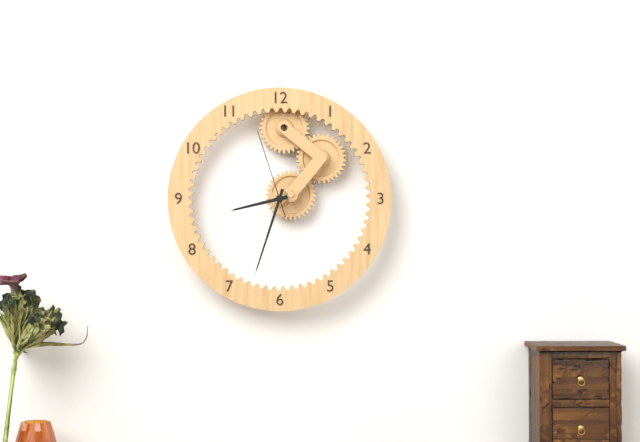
8:33:57
